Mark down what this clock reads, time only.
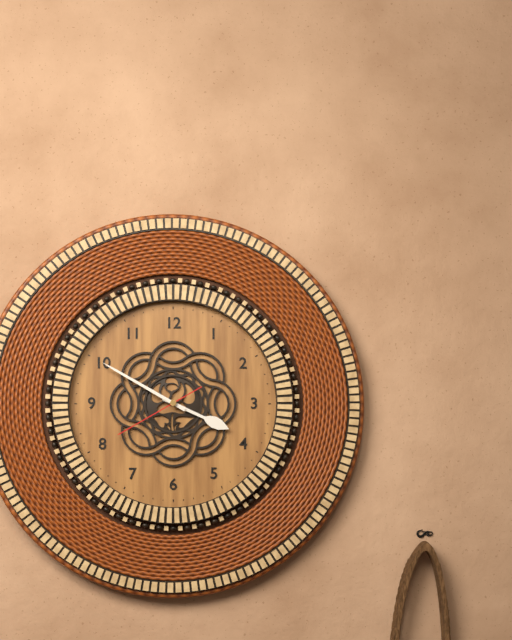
3:50:40
